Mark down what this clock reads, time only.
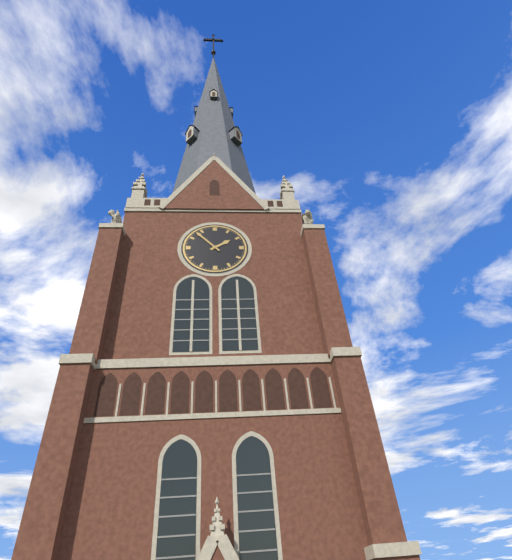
1:53
